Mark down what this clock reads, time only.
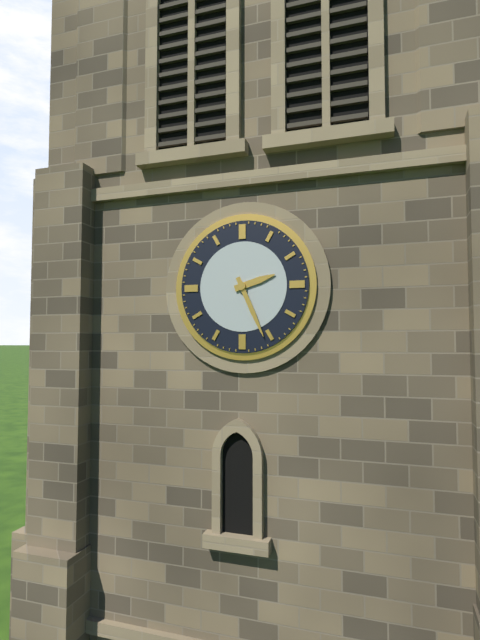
2:26
